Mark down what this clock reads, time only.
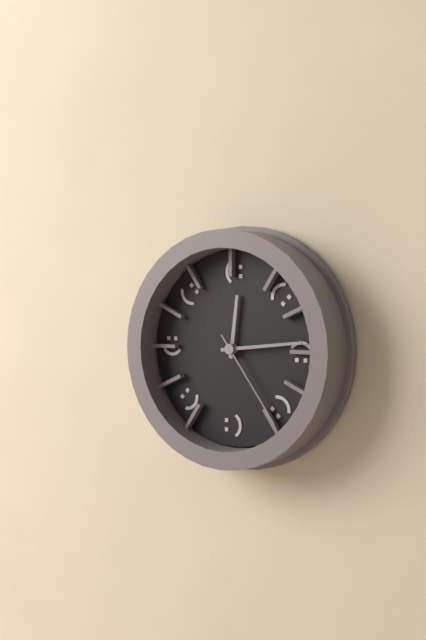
12:14:24
